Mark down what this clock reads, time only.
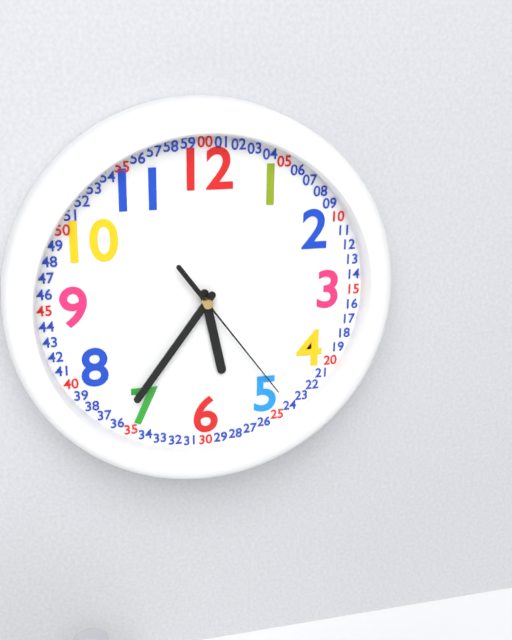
5:36:24
